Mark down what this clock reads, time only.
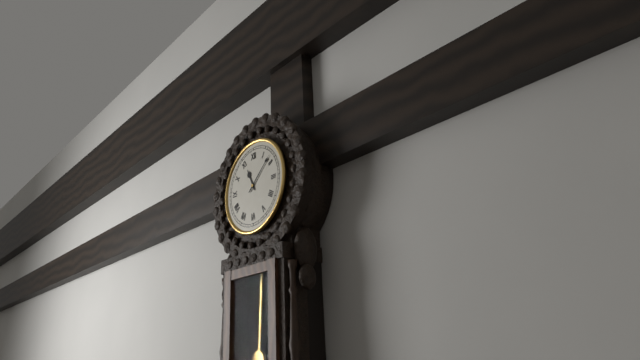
11:08
